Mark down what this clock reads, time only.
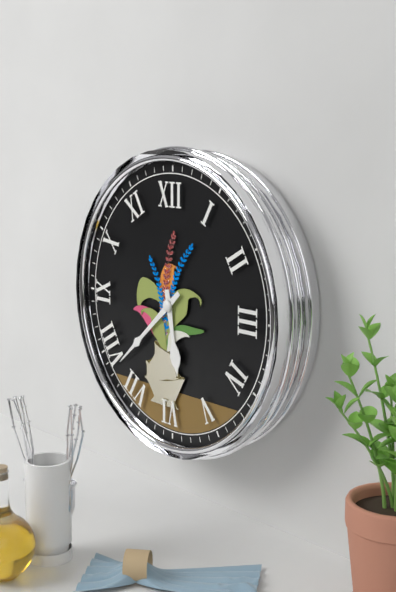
5:38
